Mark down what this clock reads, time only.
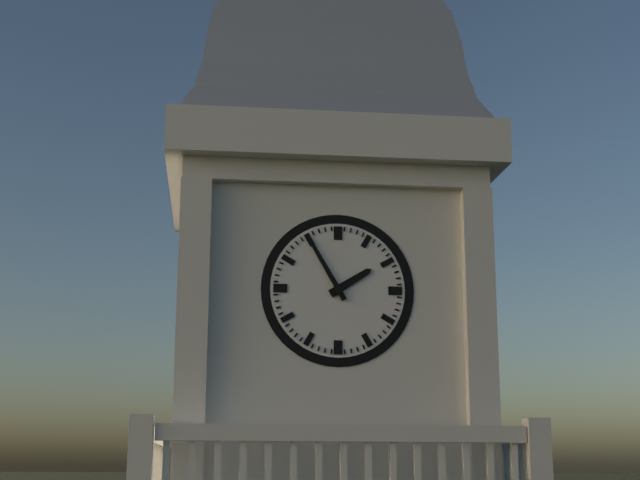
1:55
